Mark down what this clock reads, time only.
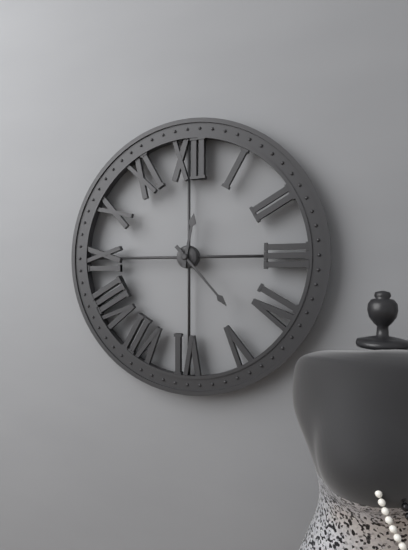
12:23
